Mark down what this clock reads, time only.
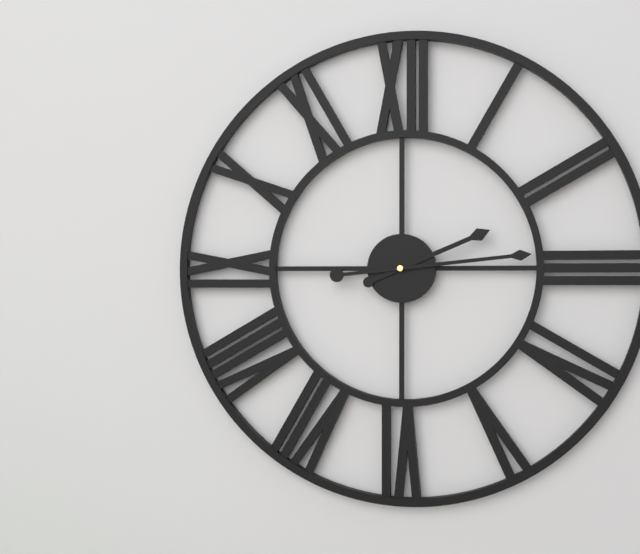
2:14
